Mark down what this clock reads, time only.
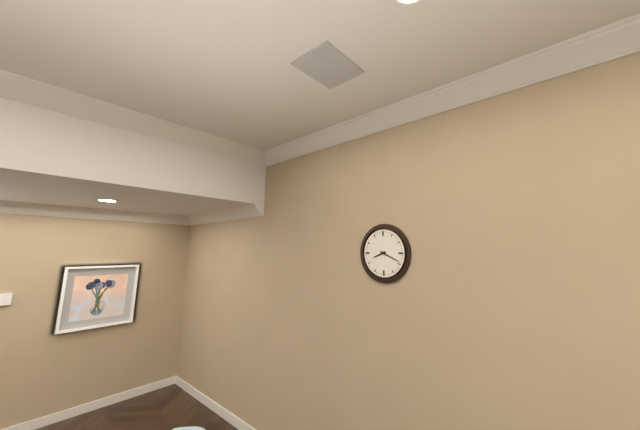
8:19
